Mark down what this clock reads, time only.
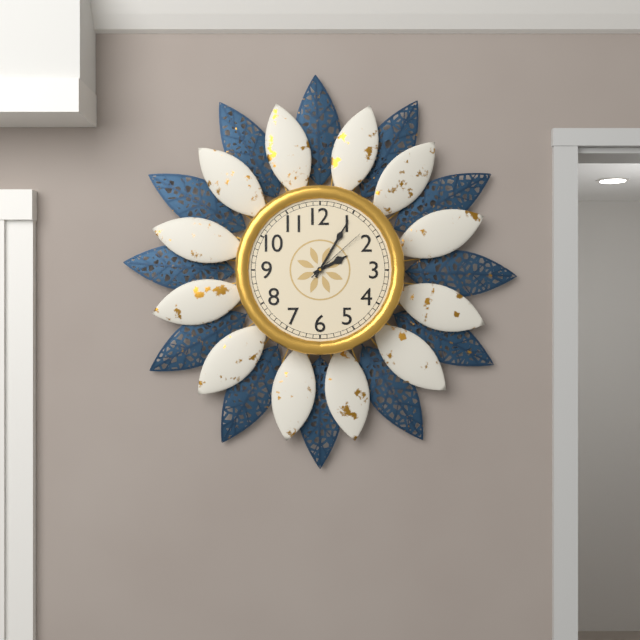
2:05:08
